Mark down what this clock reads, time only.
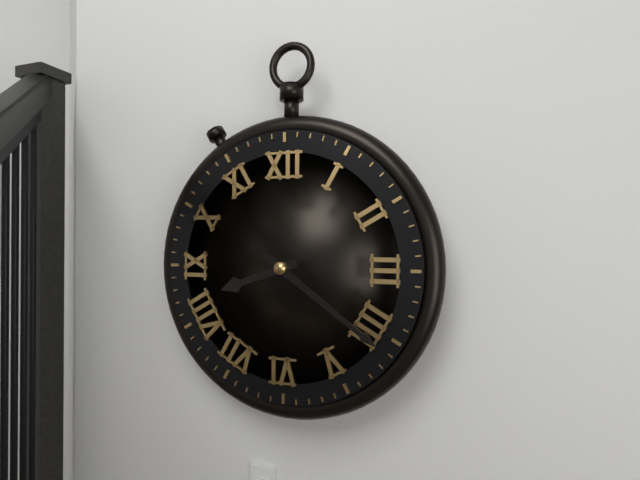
8:21
